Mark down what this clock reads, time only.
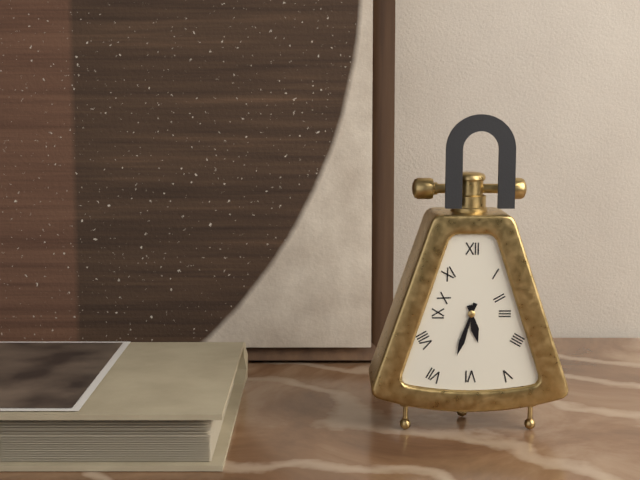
5:33
